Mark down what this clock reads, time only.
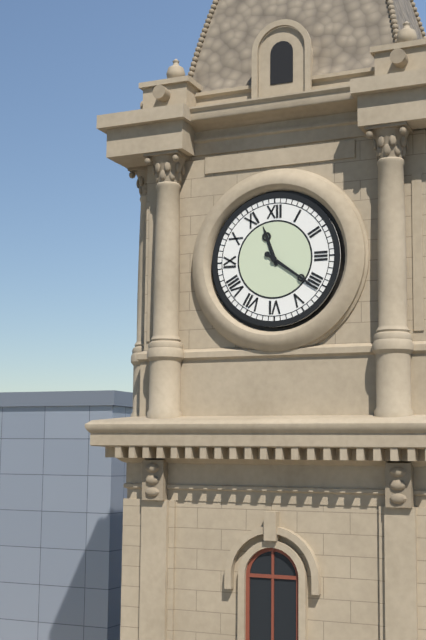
11:21
